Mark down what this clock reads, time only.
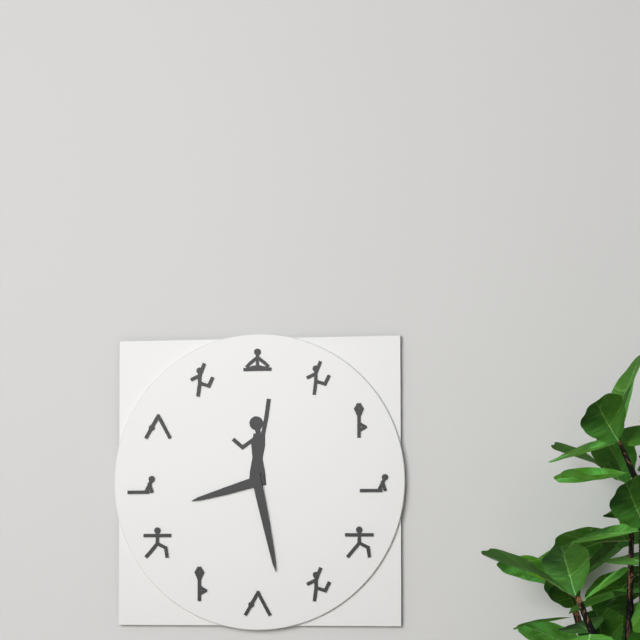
8:28
